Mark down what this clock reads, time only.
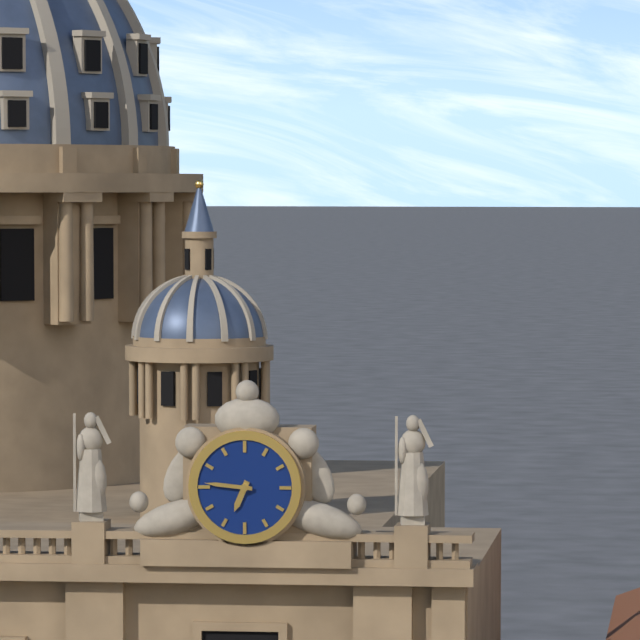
6:46
